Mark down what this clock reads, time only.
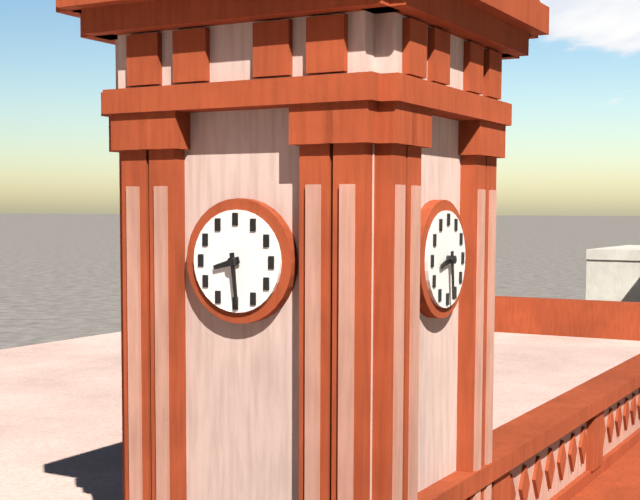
8:29
